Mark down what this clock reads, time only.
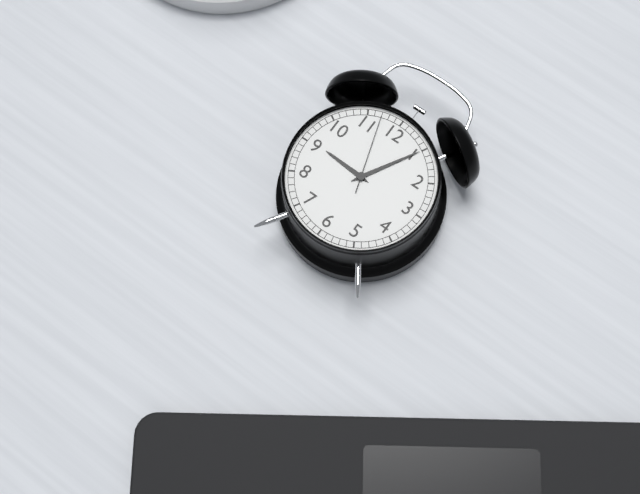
9:05:57
